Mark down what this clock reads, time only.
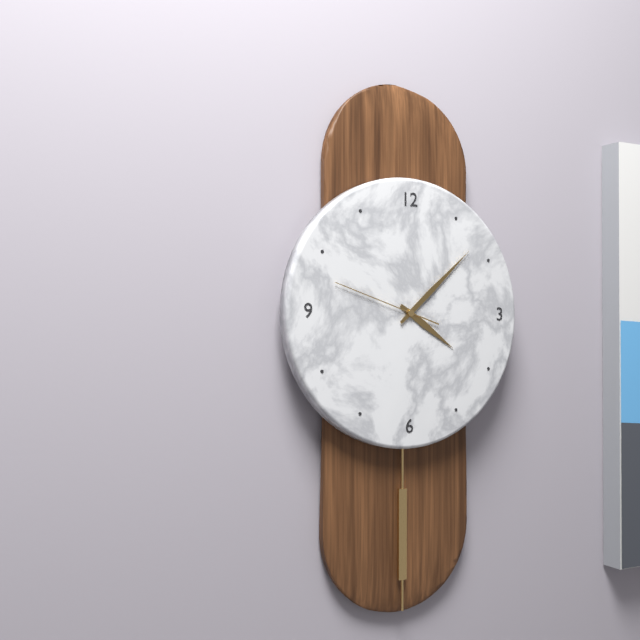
4:08:48
